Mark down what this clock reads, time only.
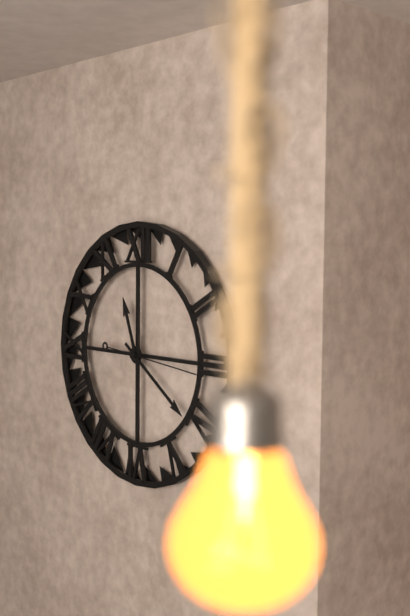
11:21:16
